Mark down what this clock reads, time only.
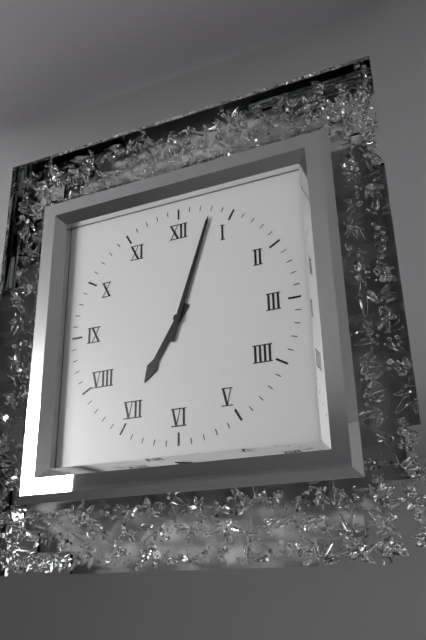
7:03
